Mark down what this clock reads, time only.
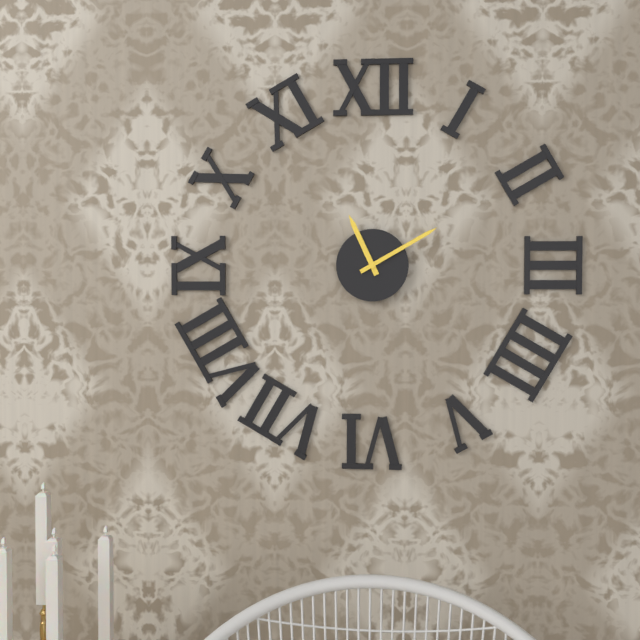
11:10
